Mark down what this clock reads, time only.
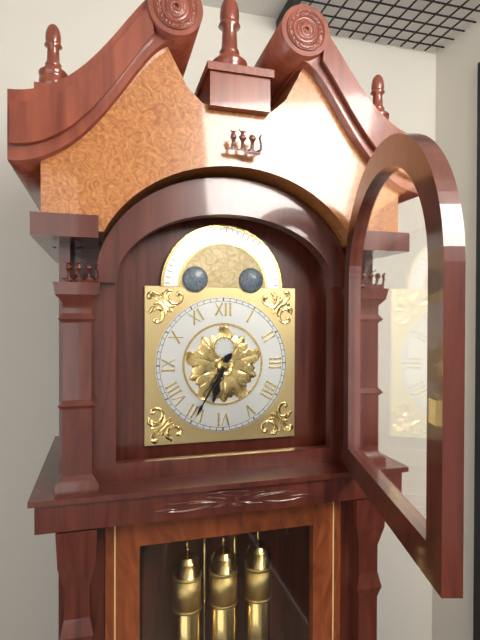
6:35
